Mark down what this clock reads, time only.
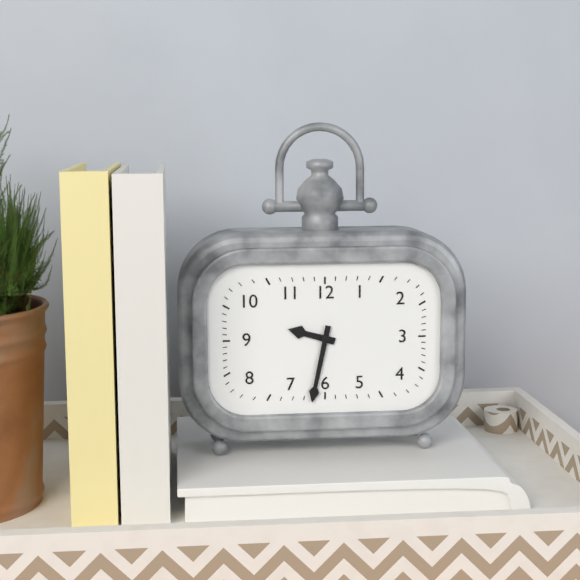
9:32
